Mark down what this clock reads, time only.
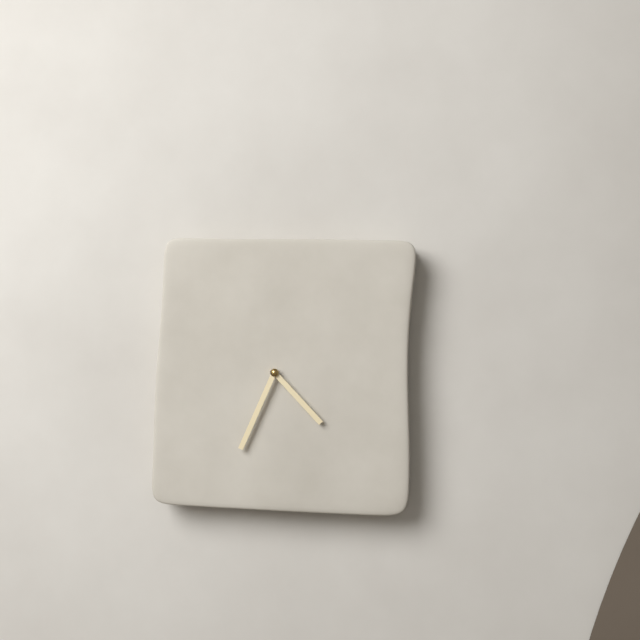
4:34
